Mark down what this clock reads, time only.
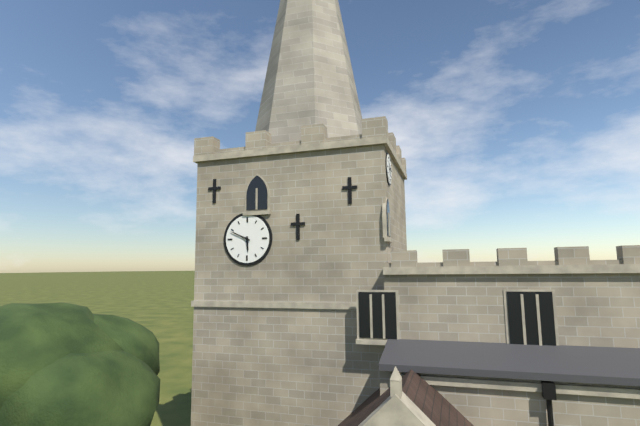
5:49
